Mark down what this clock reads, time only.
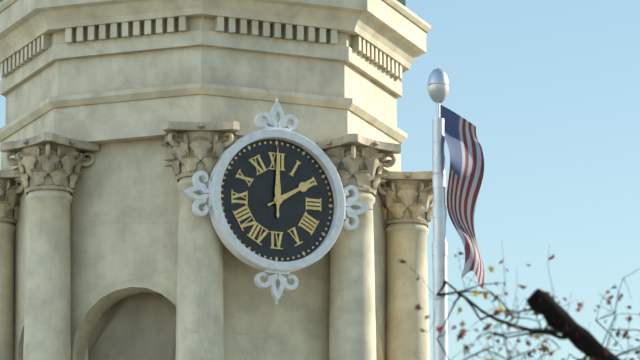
2:00
